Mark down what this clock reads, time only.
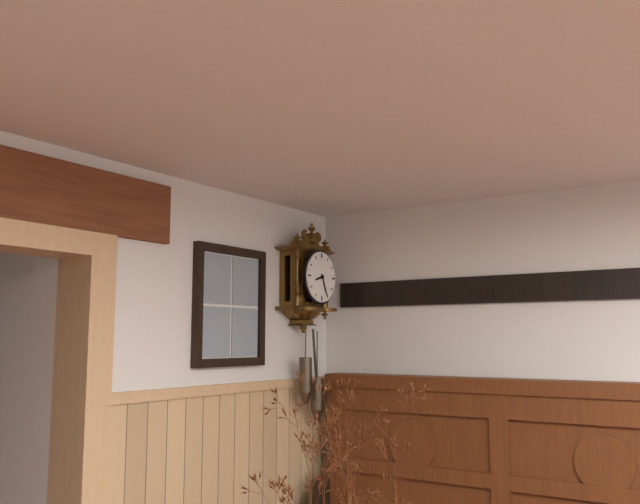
8:26
